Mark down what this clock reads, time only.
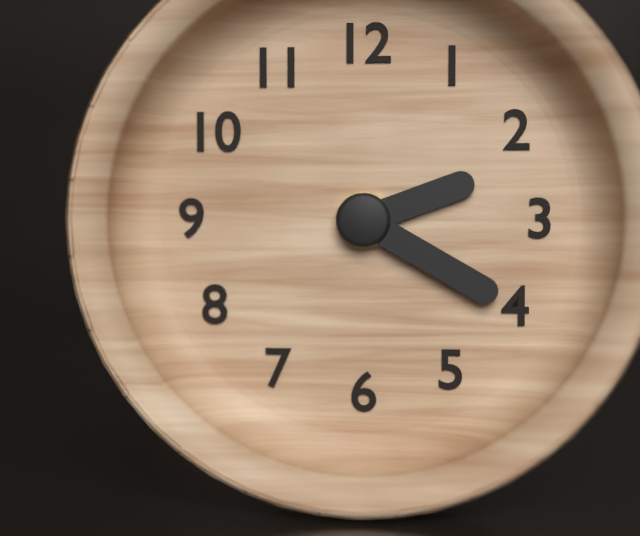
2:20
